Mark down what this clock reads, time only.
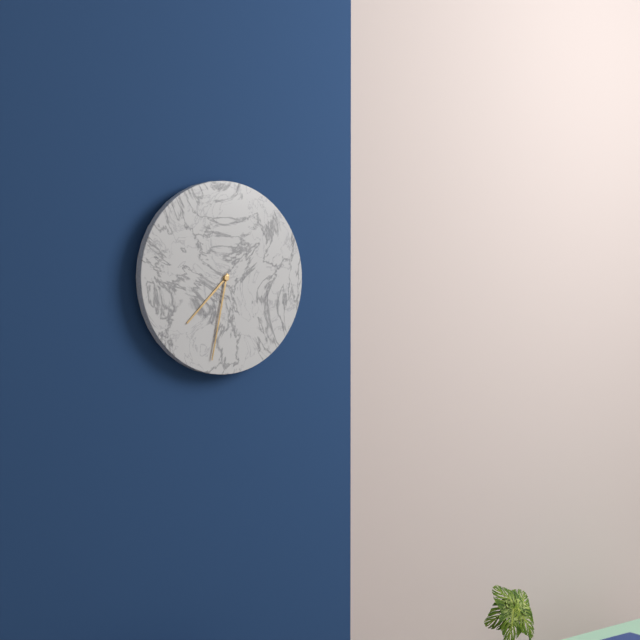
7:32
